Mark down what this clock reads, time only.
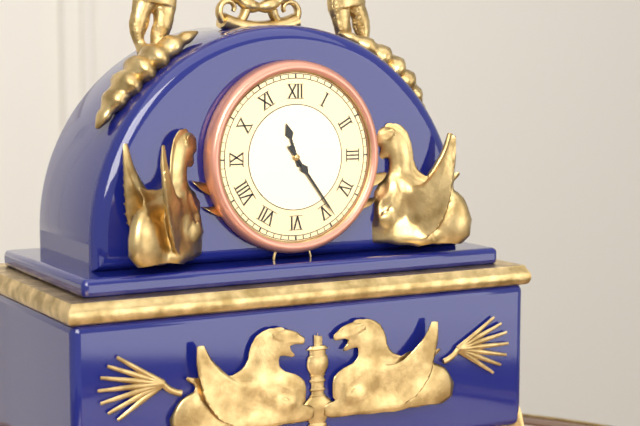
11:24
